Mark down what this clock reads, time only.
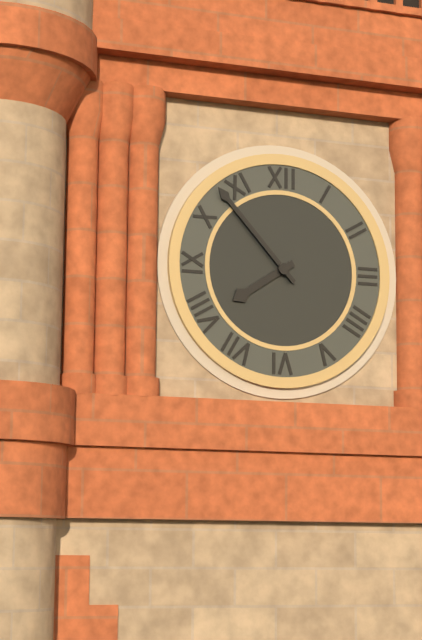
7:53
